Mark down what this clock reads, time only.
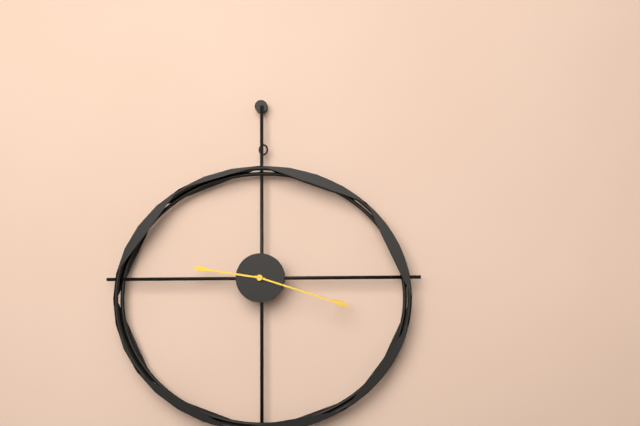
9:18
